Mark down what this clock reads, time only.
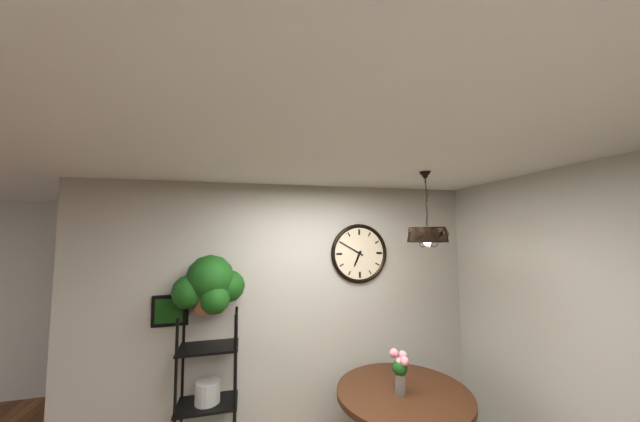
6:50
